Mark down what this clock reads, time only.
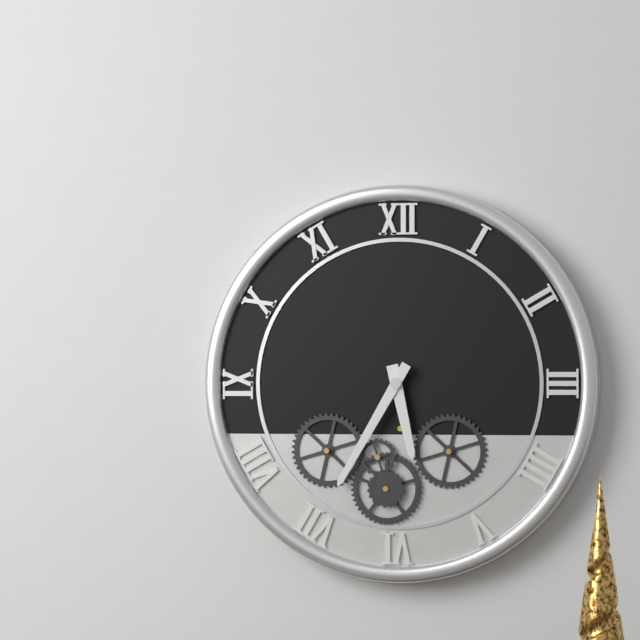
5:35
